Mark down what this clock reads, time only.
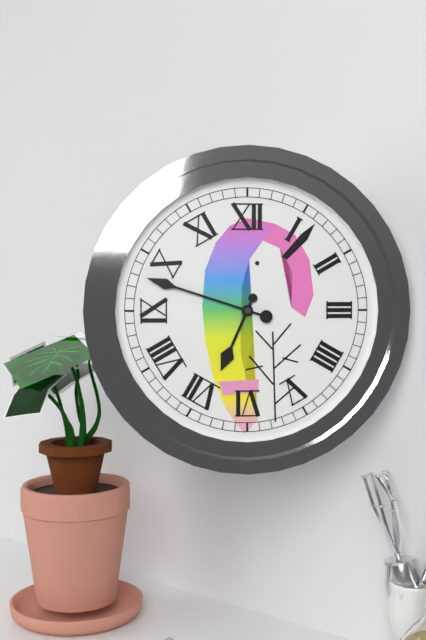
6:48
